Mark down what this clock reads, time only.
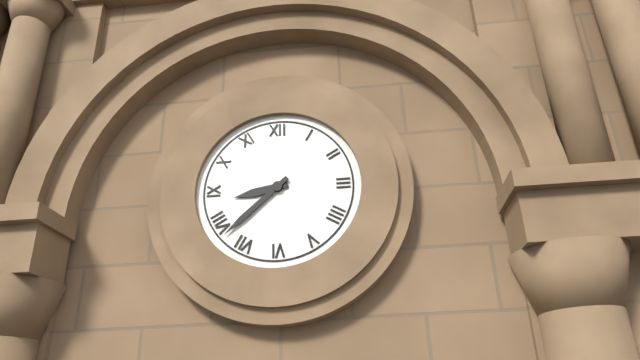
8:38
